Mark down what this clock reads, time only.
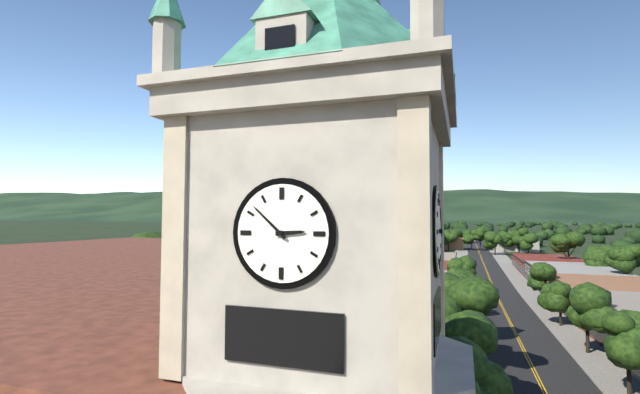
2:52
